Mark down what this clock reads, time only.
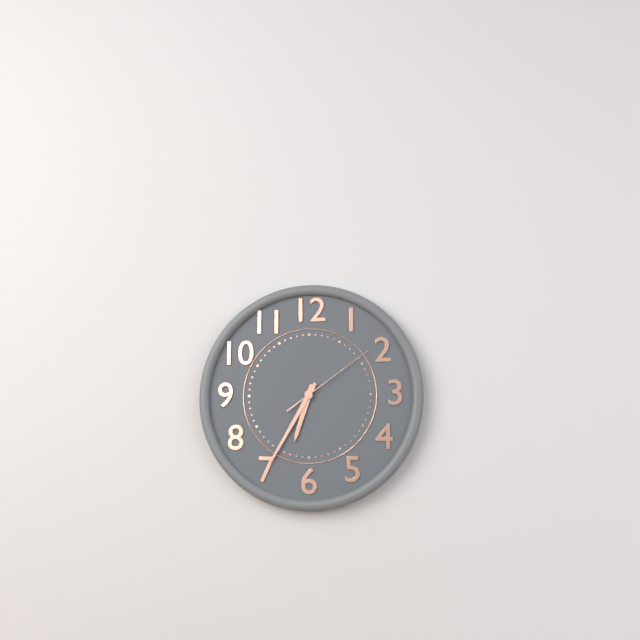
6:35:09
